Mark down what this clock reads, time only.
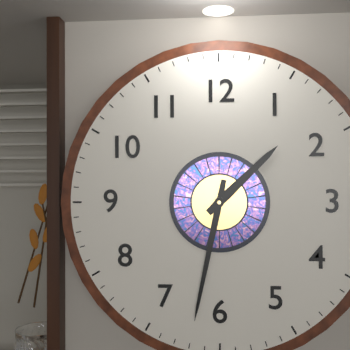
1:32
